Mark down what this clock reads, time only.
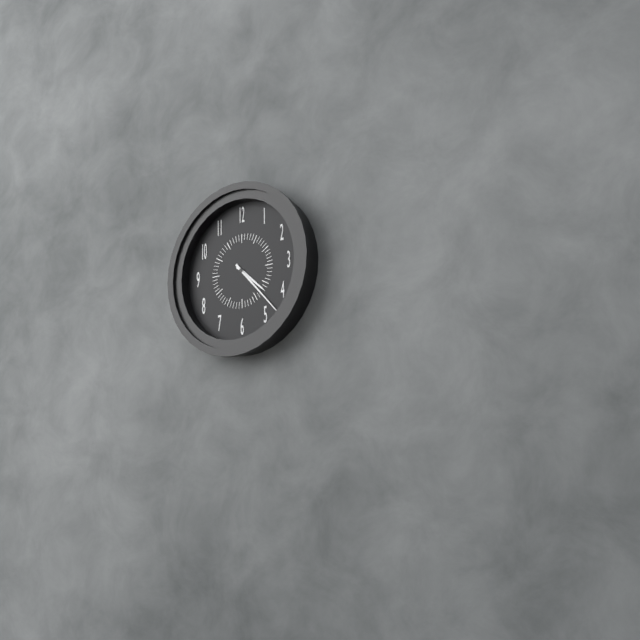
4:23
